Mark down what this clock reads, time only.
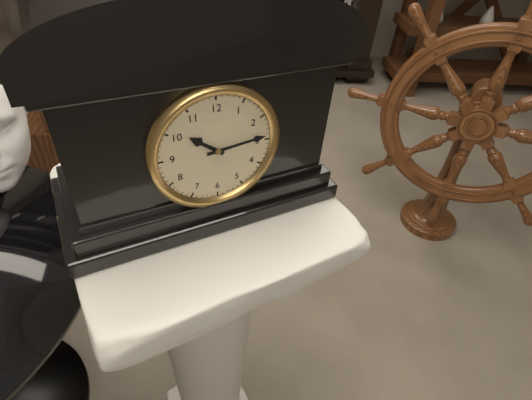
10:14
